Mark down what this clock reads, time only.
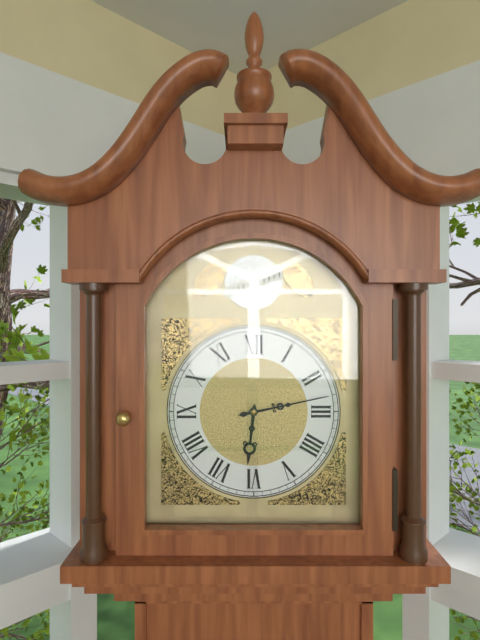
6:13
